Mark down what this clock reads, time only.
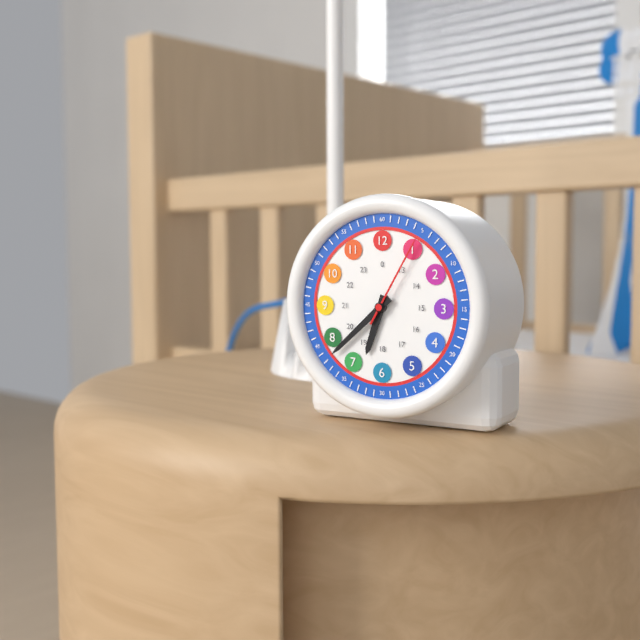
6:38:05
